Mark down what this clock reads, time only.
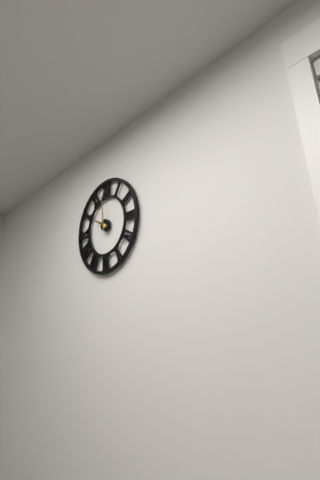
9:59
